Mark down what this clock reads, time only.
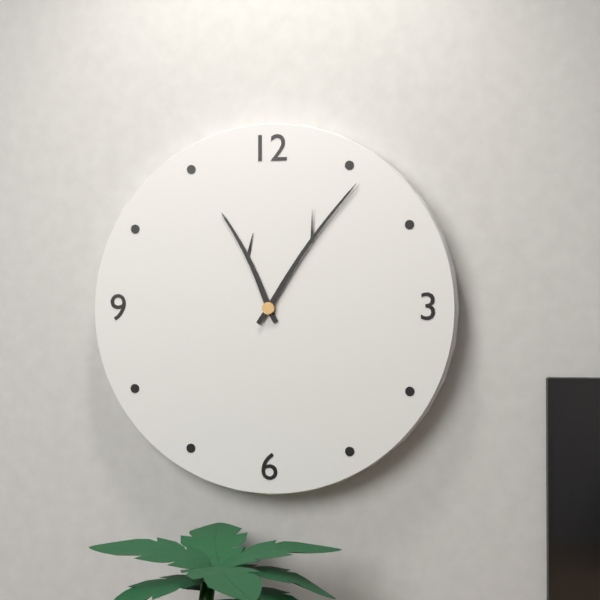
11:06
